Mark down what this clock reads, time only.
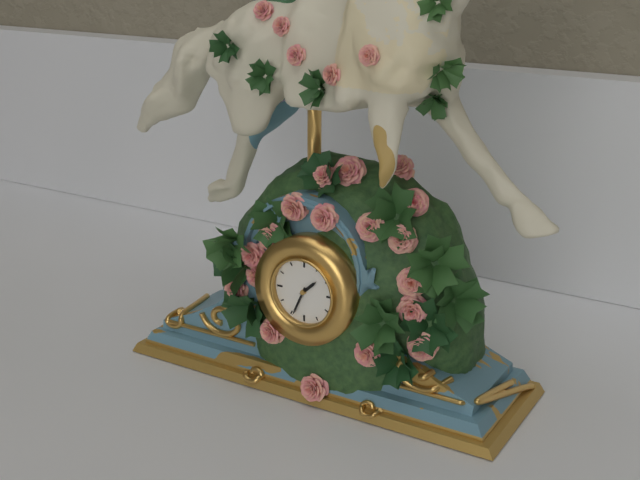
1:34
